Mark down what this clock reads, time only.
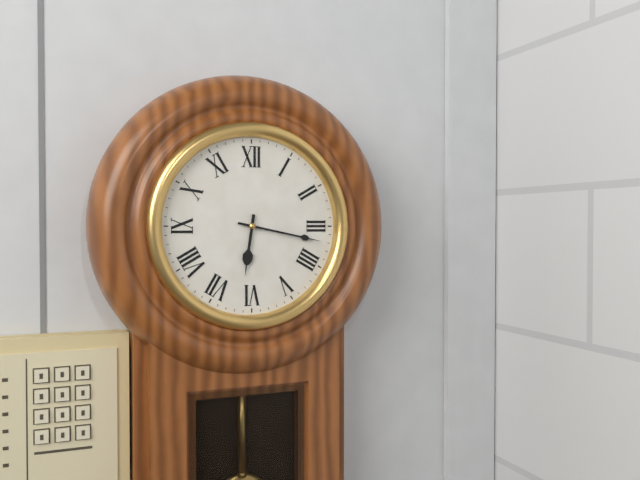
6:17
